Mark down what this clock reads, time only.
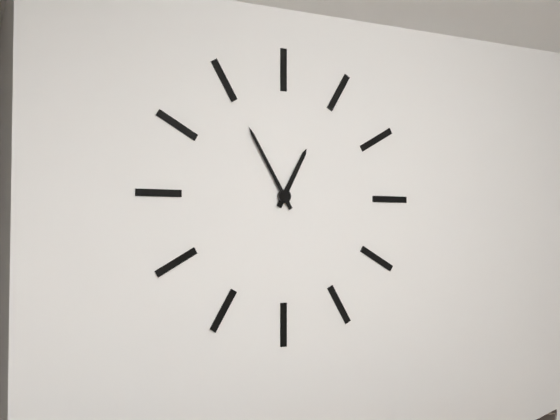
12:55
